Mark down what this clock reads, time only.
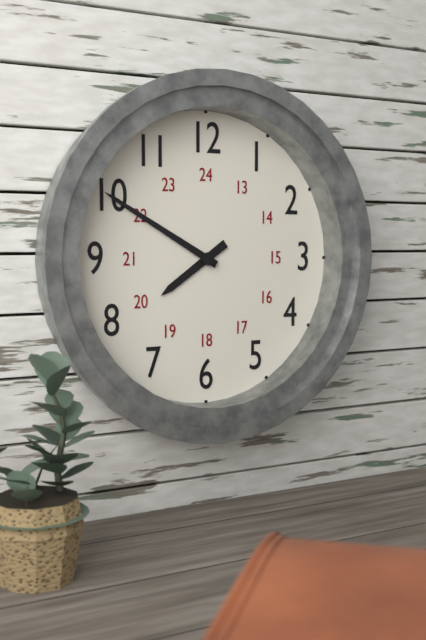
7:50
